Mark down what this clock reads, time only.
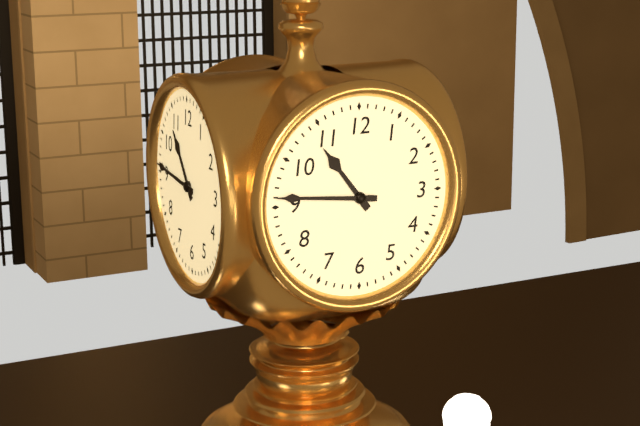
10:46
